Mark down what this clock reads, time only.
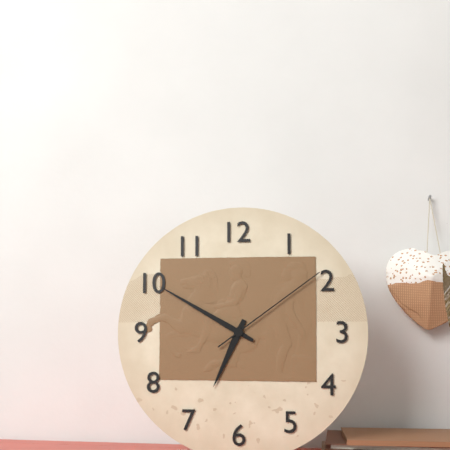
6:50:09
